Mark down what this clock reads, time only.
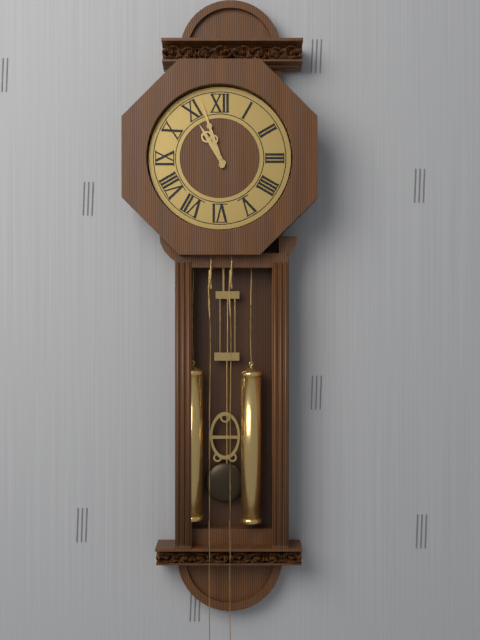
10:57
